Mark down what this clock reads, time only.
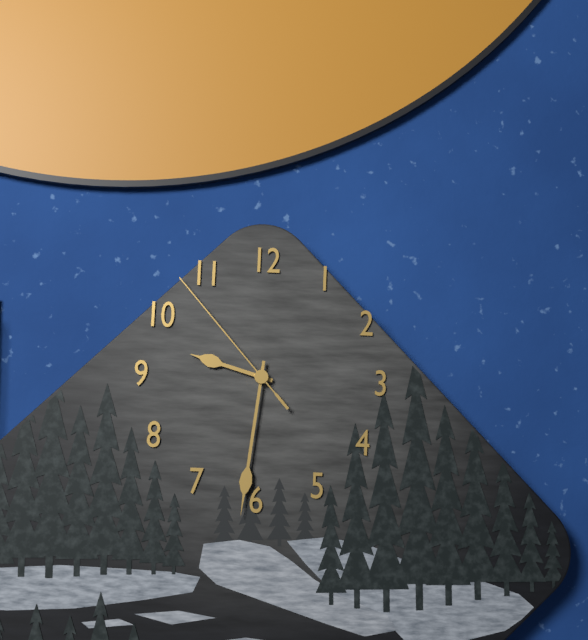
9:31:53
